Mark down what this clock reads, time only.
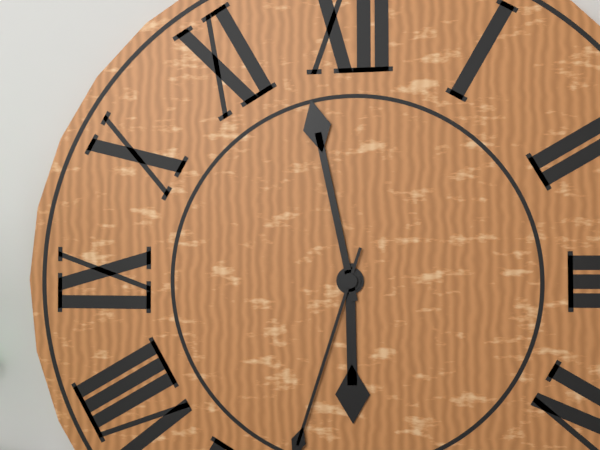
5:58
